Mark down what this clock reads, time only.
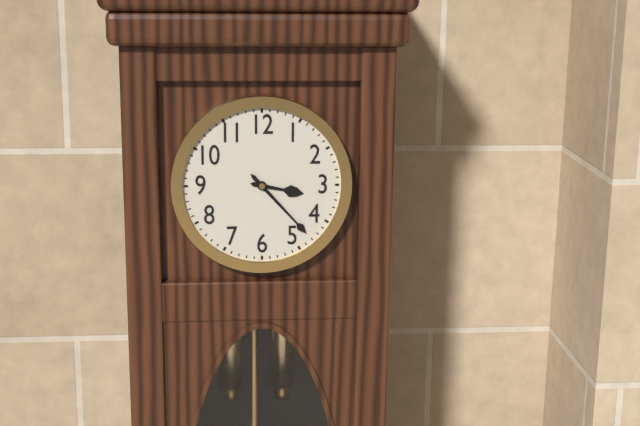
3:23
